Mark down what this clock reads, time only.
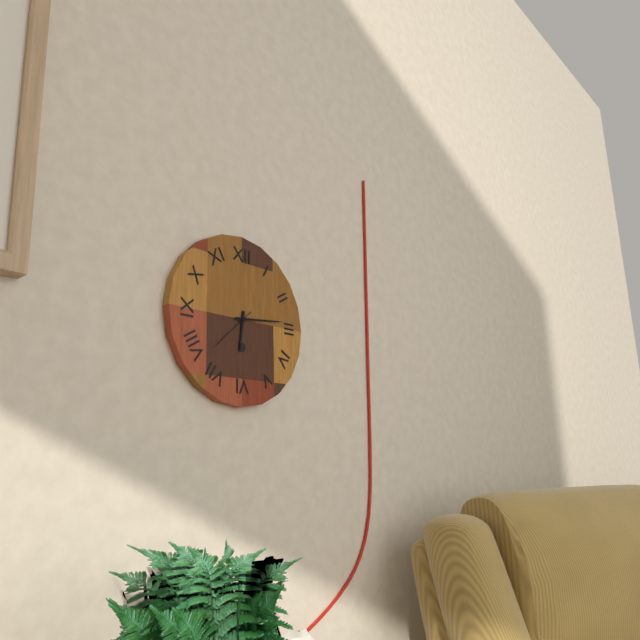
6:14:38
